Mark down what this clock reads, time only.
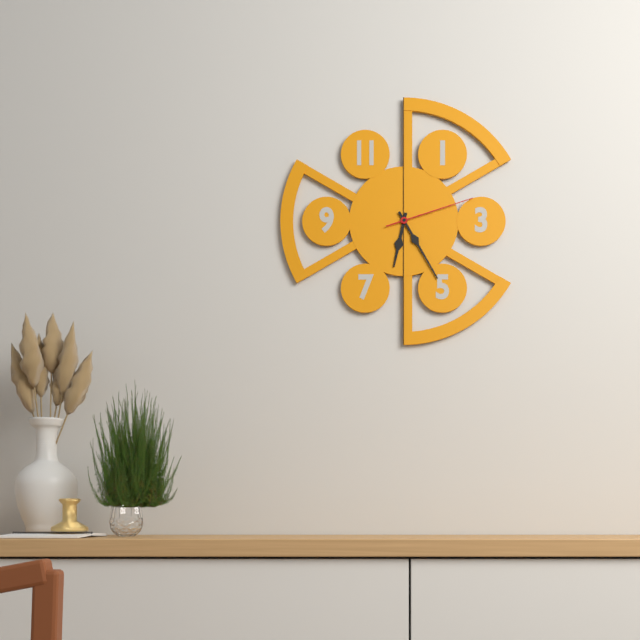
6:25:12
